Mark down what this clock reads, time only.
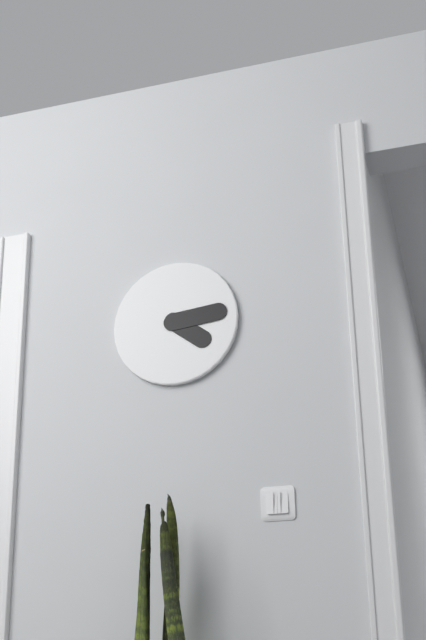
4:14
